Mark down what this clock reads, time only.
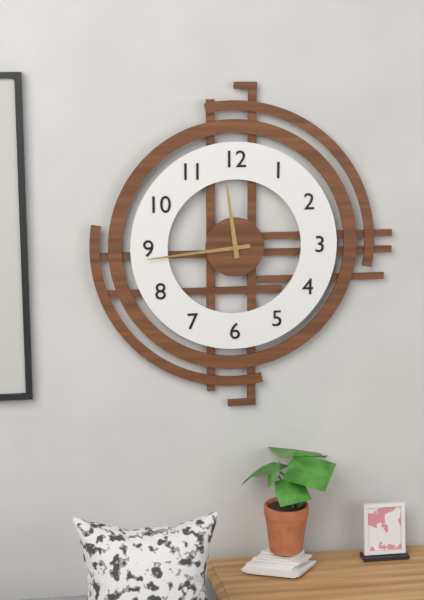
11:44
